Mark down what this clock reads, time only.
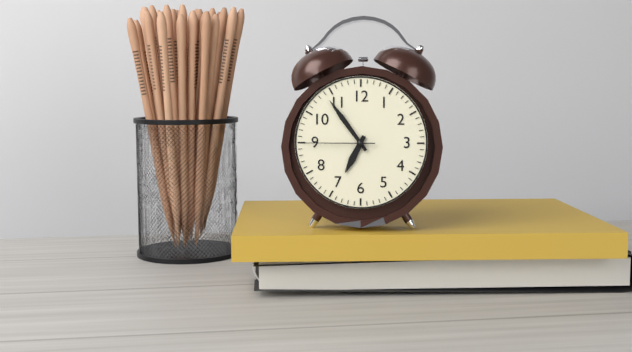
6:54:45
